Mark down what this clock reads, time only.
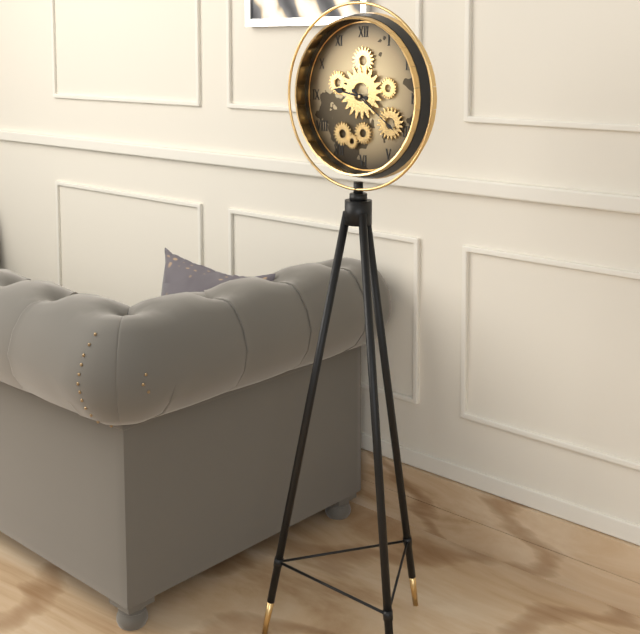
9:21
